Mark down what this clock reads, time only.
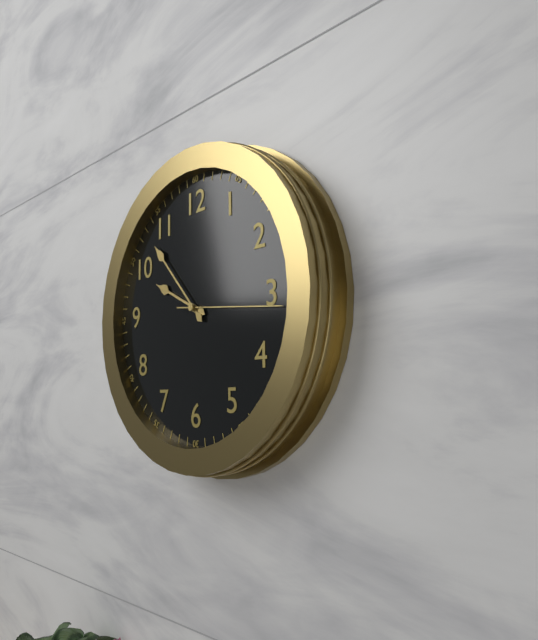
9:53:16
